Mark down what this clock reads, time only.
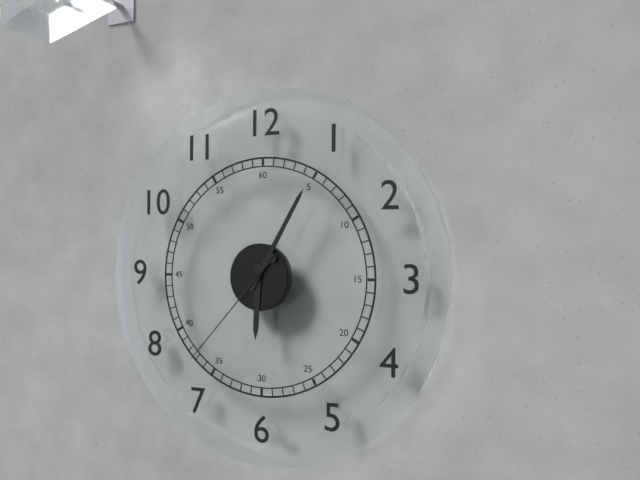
6:05:37
